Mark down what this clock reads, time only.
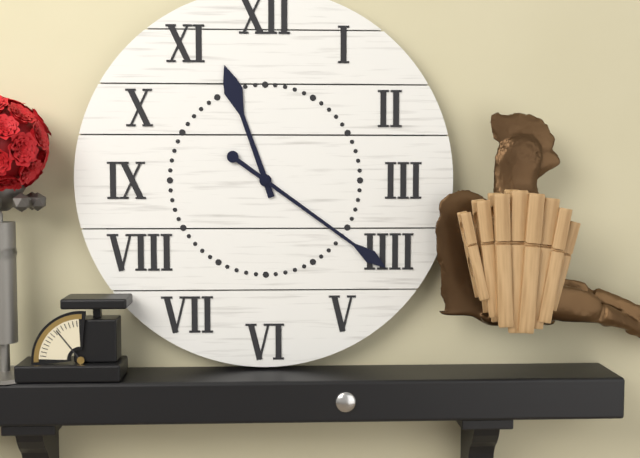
11:21
